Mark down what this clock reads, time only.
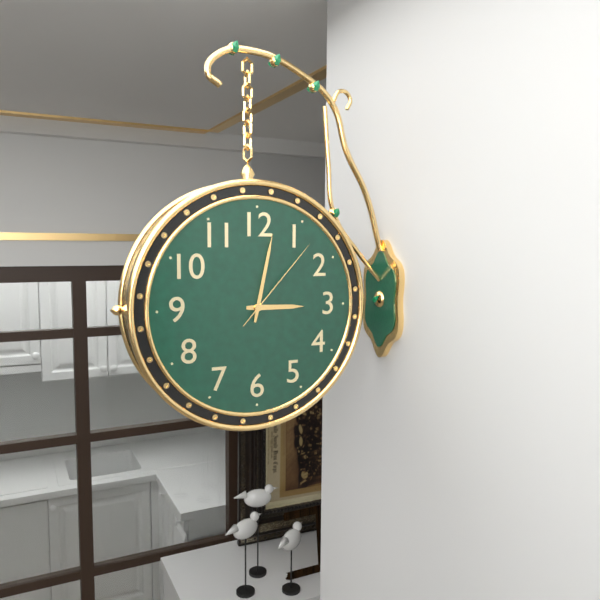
3:02:07
